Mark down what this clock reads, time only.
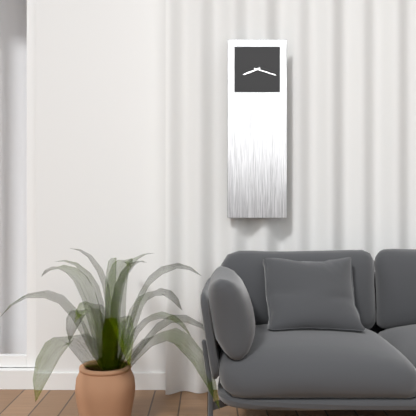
8:18
